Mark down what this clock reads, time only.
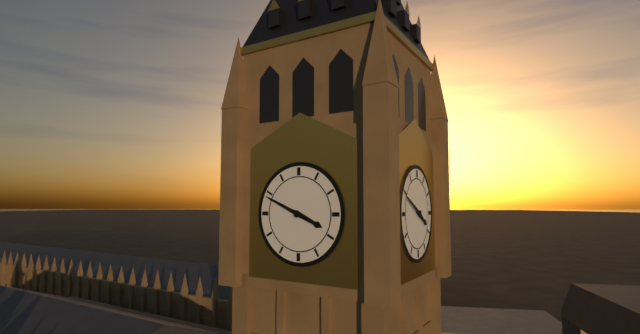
3:49
